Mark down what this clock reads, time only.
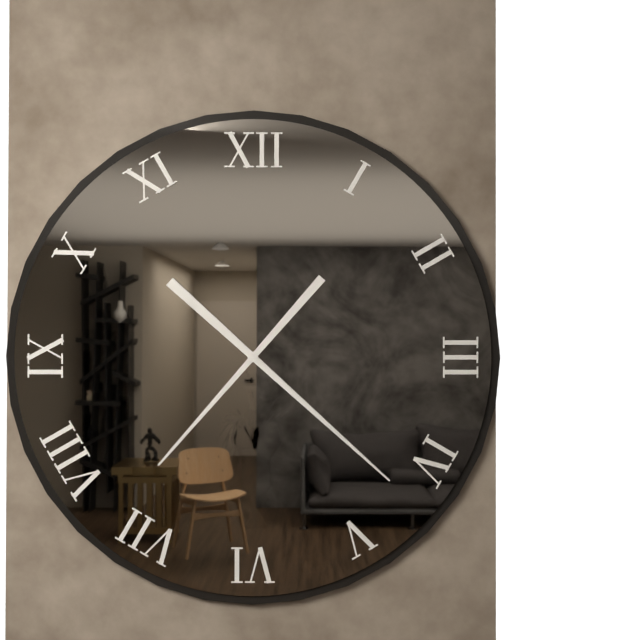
7:22
